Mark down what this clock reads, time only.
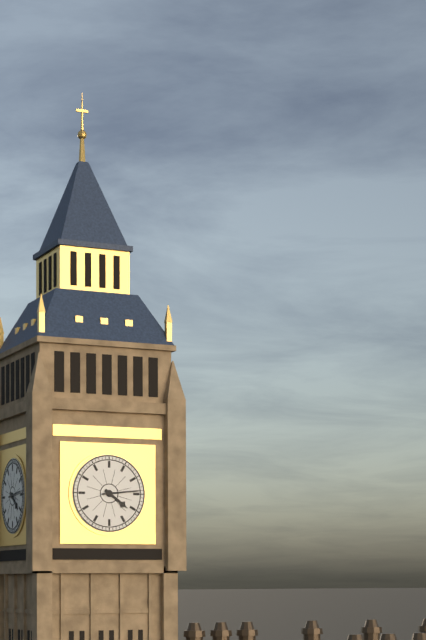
4:14
